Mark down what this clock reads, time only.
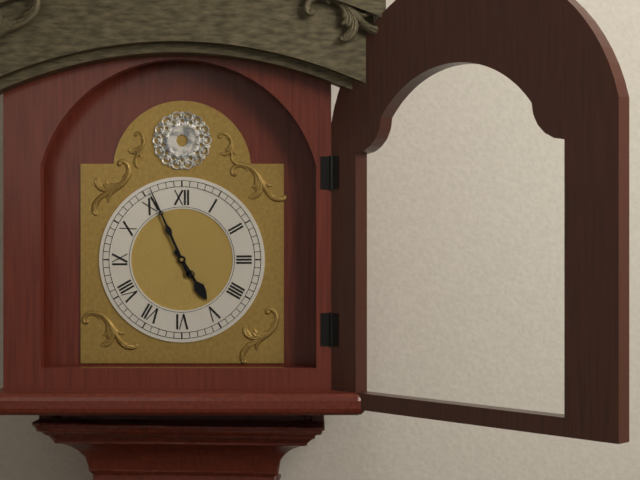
4:56
